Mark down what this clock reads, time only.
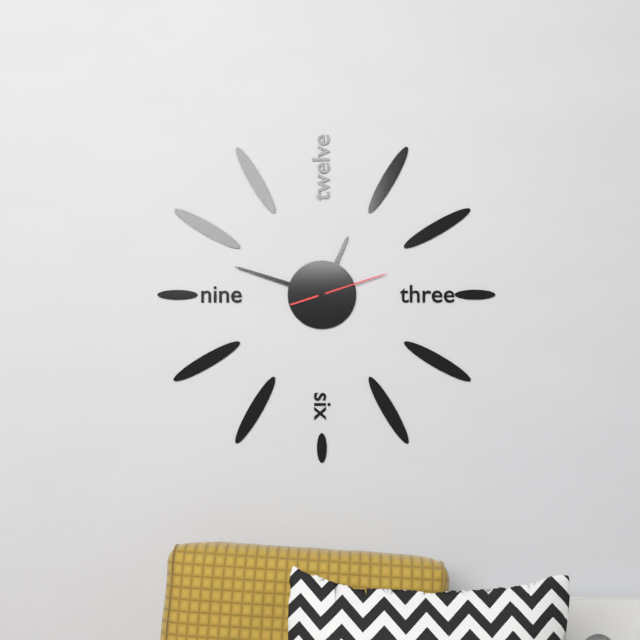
12:48:12
